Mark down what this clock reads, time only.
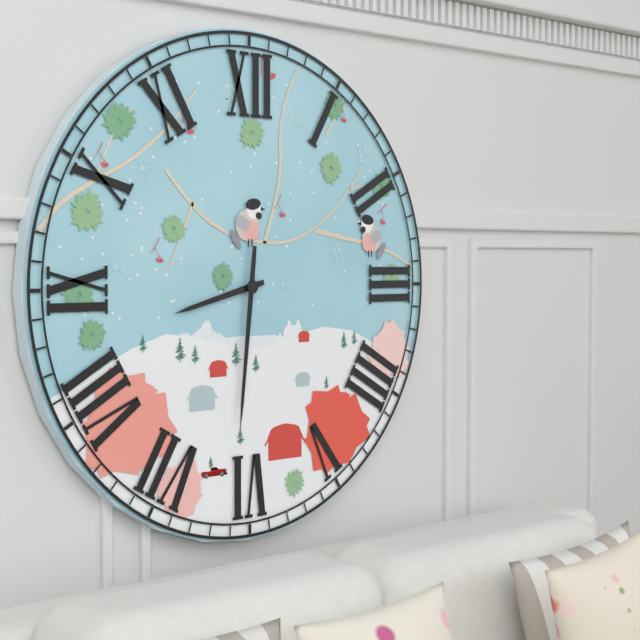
8:31
